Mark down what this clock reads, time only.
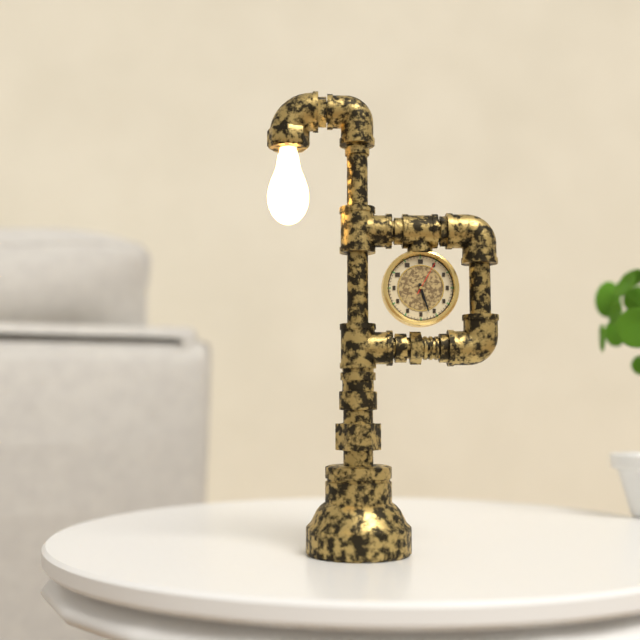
5:27
